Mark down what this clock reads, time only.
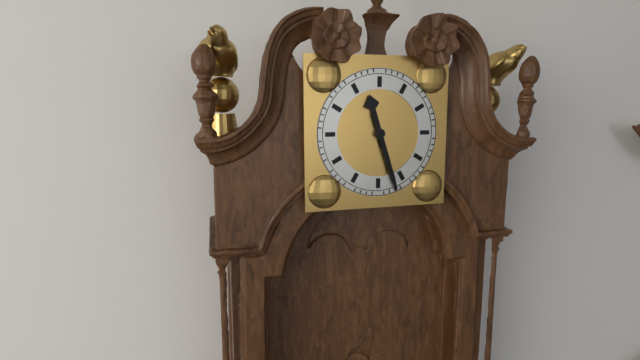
11:27
